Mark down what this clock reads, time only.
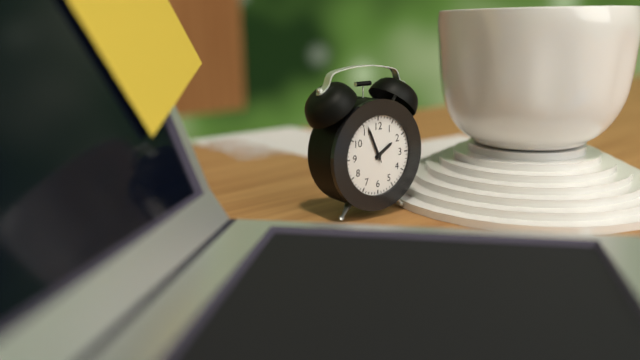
1:56
